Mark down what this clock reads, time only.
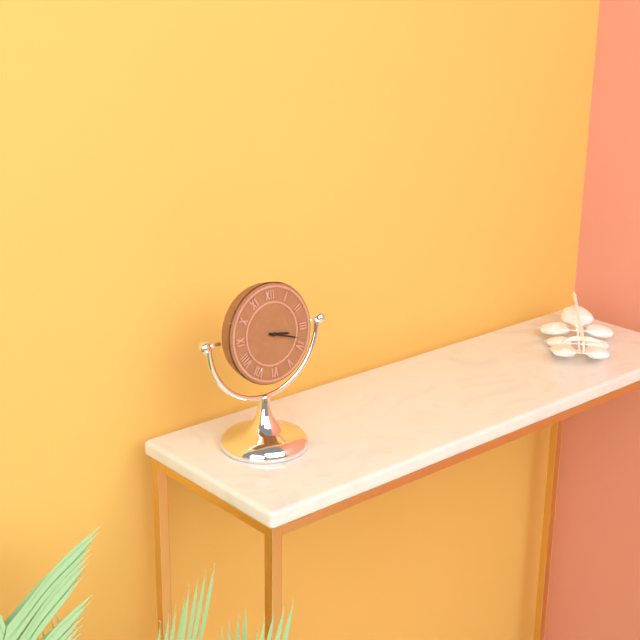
3:18
